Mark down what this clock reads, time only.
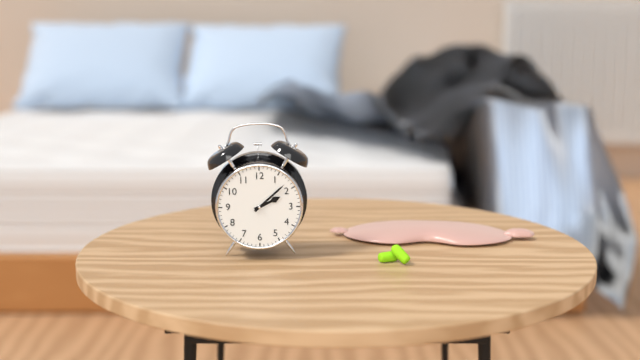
2:08
